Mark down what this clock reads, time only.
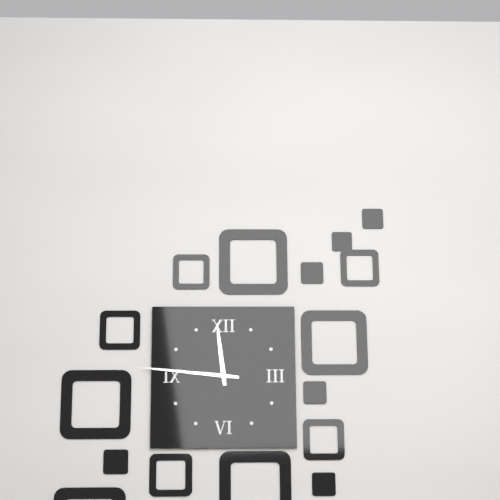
11:46
